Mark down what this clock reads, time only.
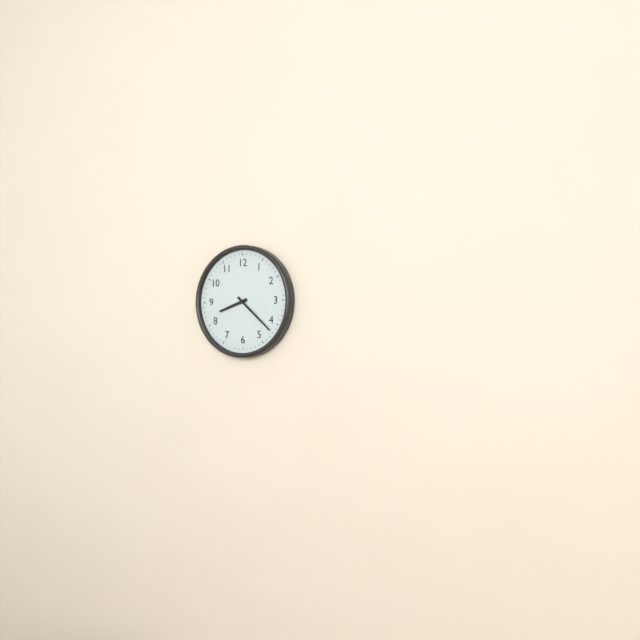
8:22
